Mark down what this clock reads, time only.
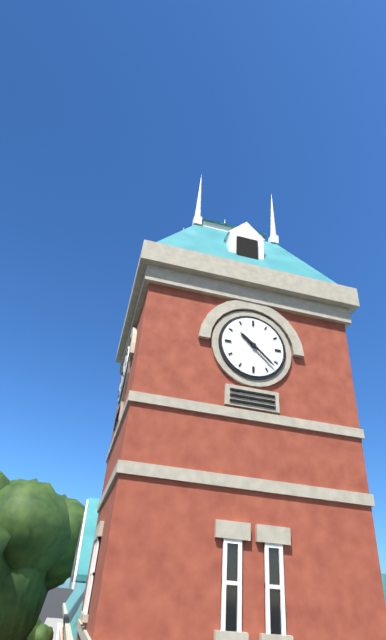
10:22
